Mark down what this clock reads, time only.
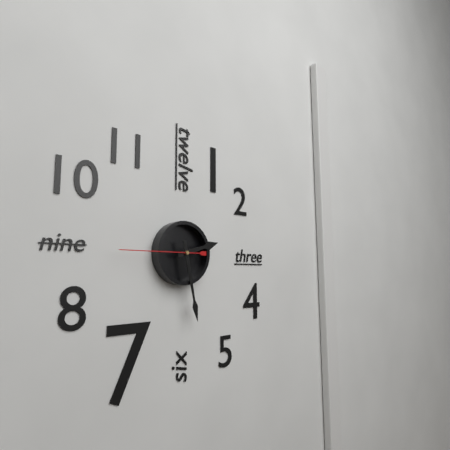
2:28:45
